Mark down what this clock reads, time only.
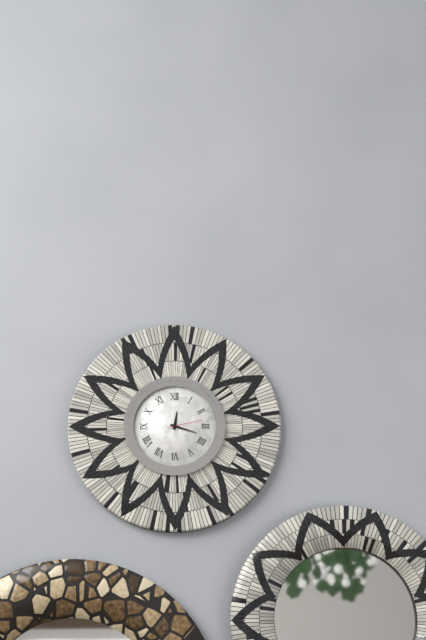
12:18
